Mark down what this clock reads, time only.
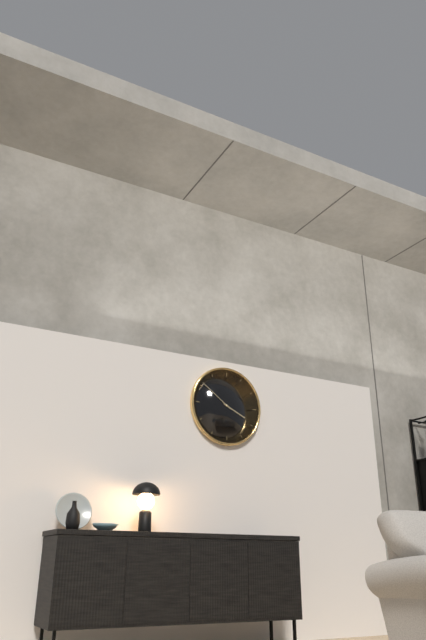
3:51
